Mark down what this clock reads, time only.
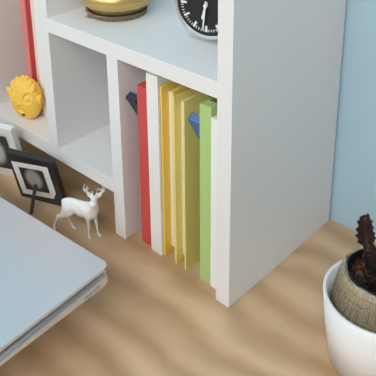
6:31
